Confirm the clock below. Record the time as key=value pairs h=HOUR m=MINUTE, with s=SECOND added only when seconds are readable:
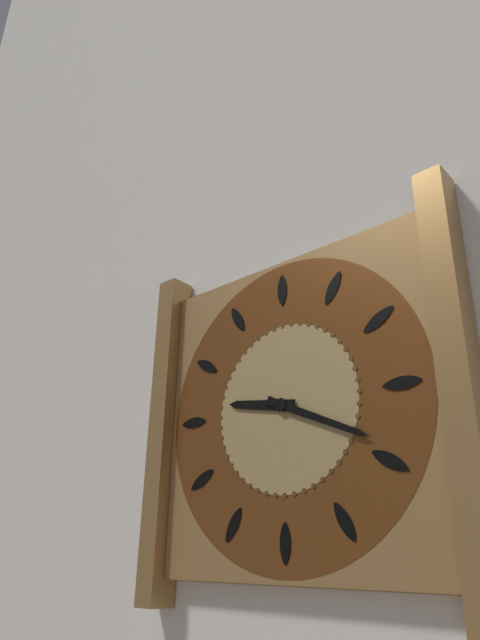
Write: h=9 m=19
